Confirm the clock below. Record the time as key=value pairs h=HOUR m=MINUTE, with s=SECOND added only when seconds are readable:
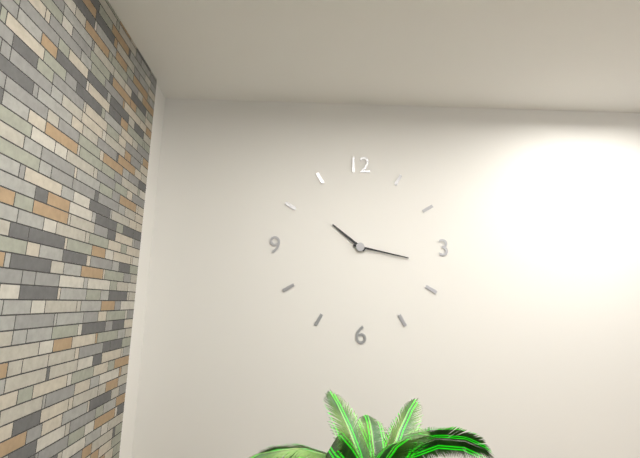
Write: h=10 m=17
